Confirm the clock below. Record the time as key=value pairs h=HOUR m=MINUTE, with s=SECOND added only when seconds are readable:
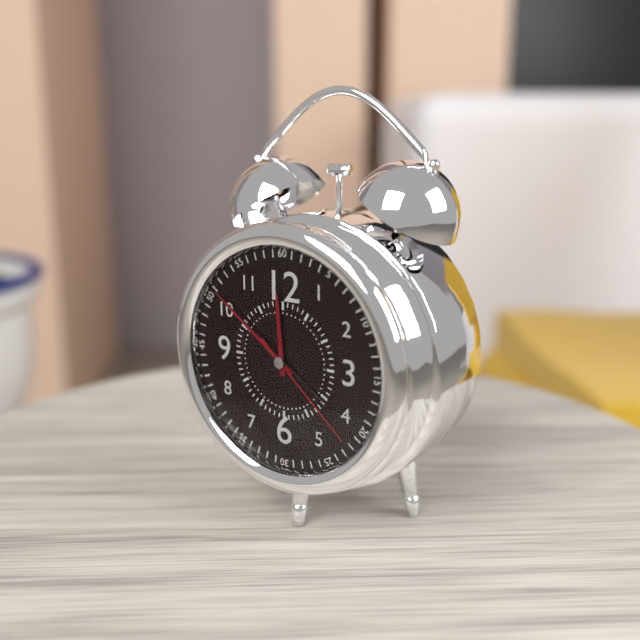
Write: h=11 m=51 s=22
